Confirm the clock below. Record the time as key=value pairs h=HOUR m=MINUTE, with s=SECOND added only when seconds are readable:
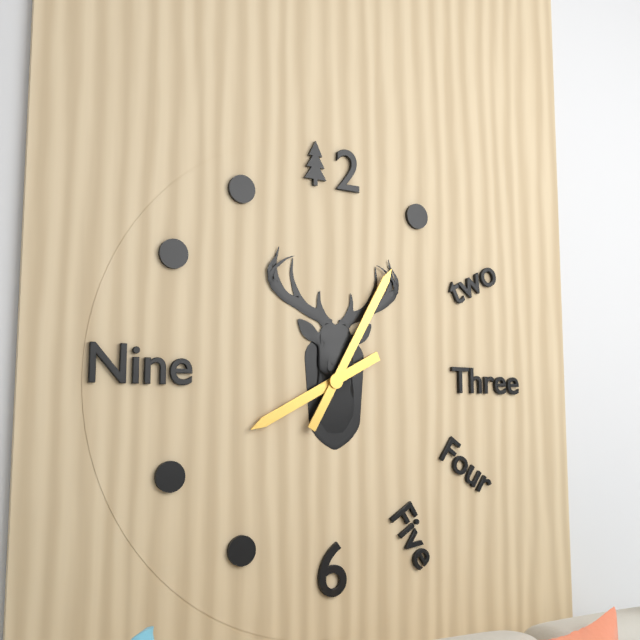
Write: h=8 m=5
